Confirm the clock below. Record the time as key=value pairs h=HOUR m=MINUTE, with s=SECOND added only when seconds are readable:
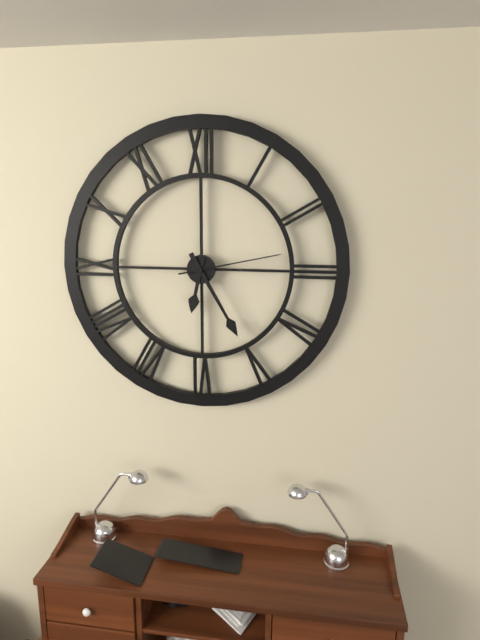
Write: h=6 m=25 s=13
